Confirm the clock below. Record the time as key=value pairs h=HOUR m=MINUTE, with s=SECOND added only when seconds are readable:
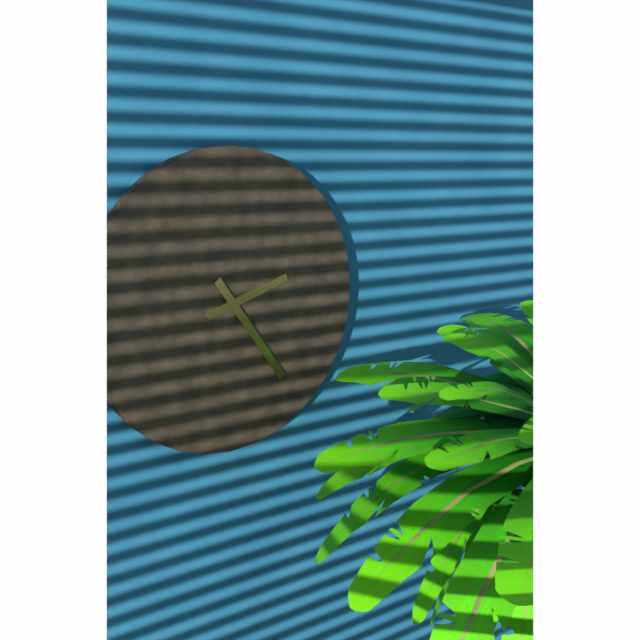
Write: h=2 m=24
